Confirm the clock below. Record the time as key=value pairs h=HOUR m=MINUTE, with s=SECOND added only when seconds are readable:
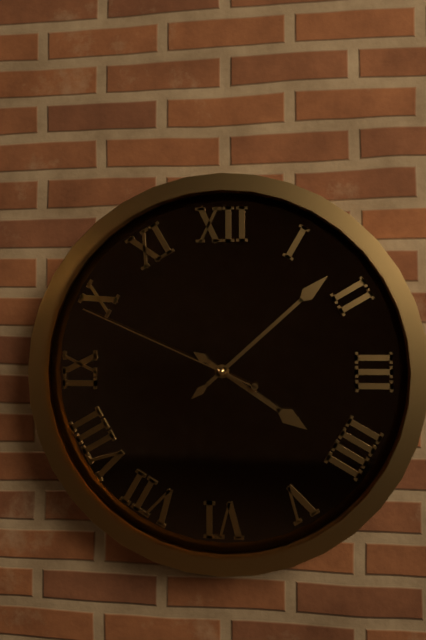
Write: h=4 m=8 s=49
